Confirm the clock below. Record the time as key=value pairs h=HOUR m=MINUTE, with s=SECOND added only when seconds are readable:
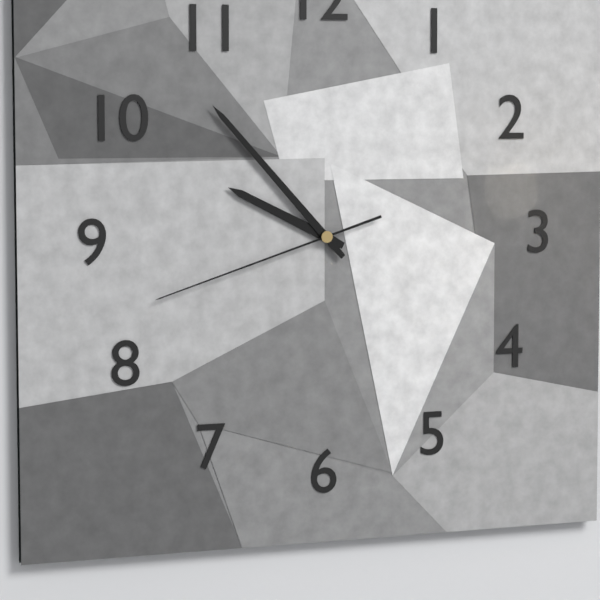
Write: h=9 m=53 s=42
